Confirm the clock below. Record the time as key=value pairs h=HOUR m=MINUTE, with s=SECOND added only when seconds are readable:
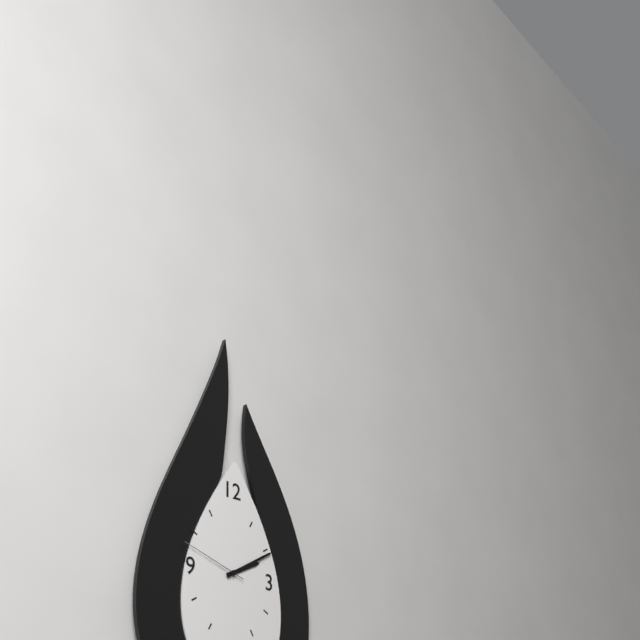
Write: h=2 m=10 s=48
